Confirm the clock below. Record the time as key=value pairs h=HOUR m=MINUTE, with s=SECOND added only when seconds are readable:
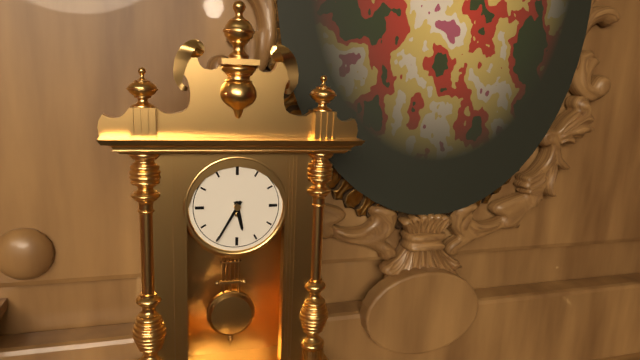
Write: h=5 m=35
